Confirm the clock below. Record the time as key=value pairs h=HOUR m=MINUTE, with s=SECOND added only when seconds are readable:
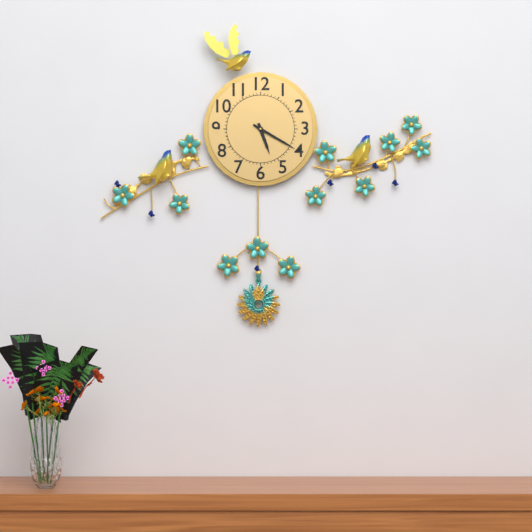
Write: h=5 m=20
